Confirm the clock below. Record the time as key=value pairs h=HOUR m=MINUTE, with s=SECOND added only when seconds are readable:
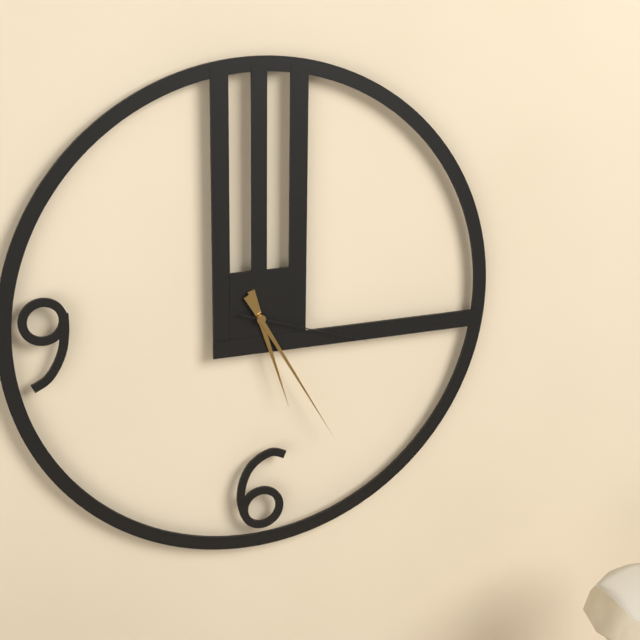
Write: h=5 m=25 s=18
